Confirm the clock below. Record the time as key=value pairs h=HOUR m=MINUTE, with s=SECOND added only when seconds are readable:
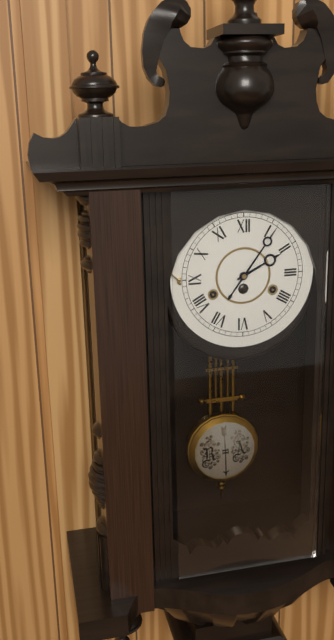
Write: h=2 m=6
